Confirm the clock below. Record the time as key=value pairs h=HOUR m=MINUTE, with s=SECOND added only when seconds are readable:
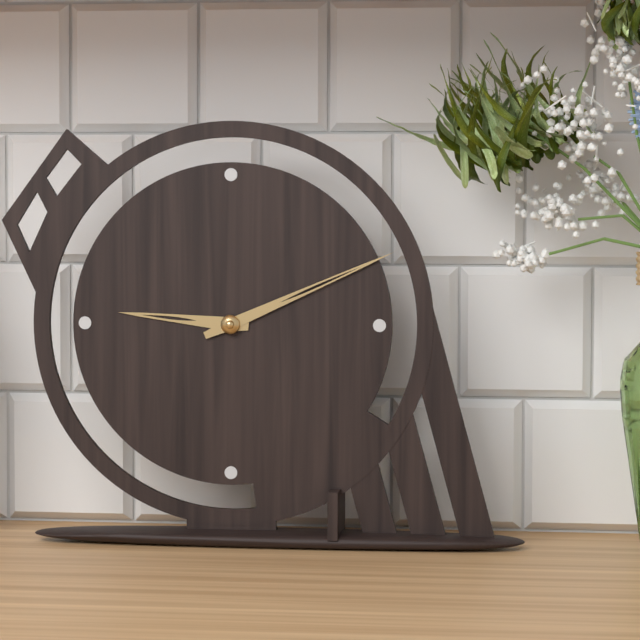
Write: h=9 m=11
